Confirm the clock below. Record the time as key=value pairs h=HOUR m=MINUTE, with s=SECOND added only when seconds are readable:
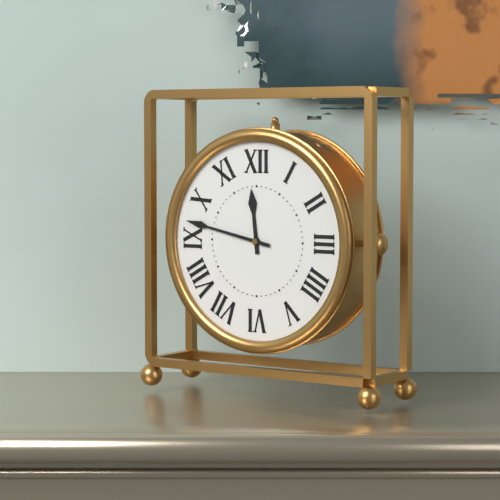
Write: h=11 m=47
